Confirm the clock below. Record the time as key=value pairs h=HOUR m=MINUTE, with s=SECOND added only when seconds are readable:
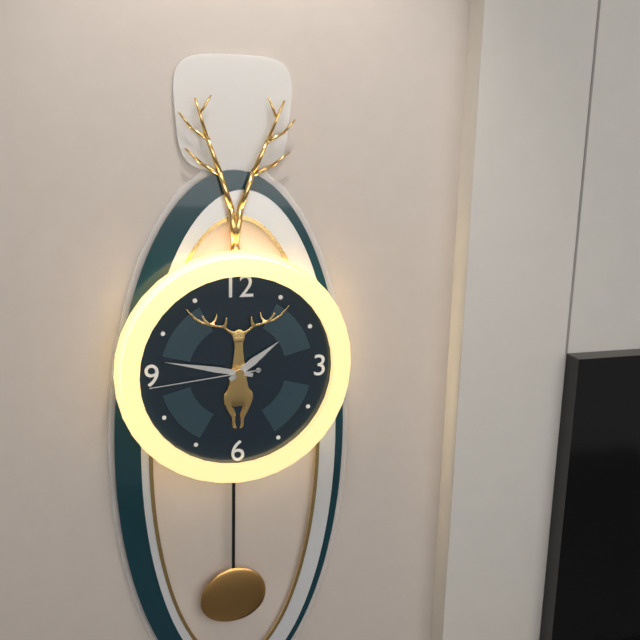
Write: h=1 m=47 s=44
